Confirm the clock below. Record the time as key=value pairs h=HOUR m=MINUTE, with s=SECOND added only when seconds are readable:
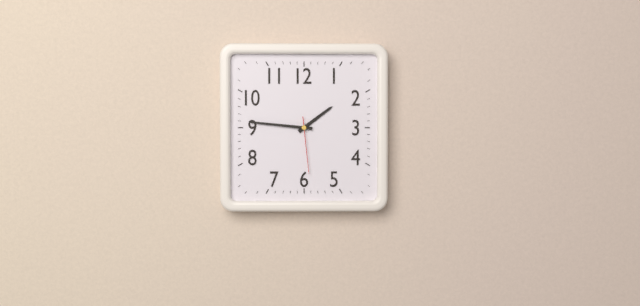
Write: h=1 m=46 s=29
